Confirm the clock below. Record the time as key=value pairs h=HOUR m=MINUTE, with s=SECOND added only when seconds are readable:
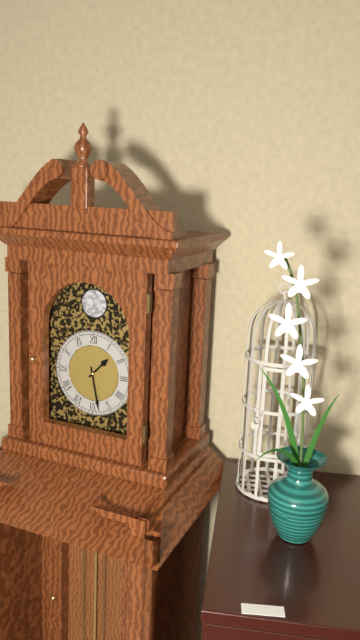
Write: h=1 m=28
